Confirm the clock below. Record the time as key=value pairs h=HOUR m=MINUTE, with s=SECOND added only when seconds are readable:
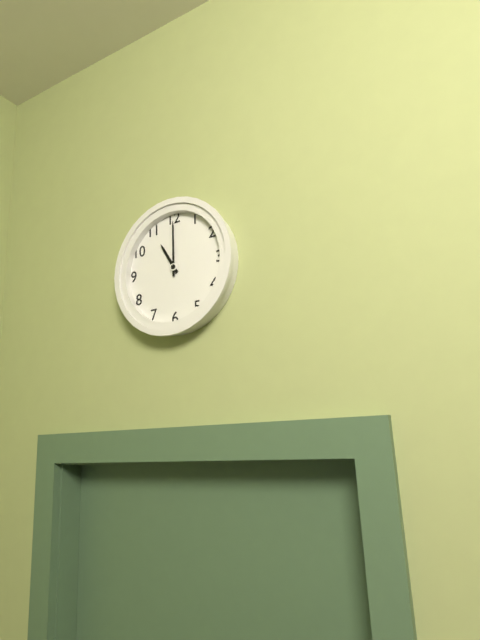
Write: h=11 m=0
